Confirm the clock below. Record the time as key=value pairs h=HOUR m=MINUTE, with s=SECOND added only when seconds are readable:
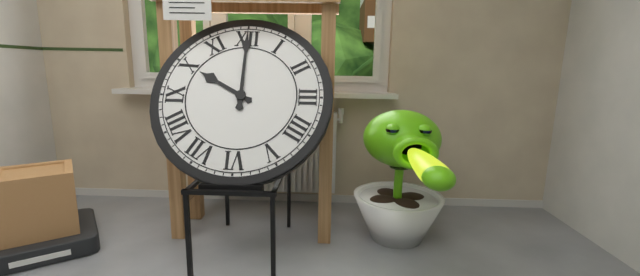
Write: h=10 m=0
